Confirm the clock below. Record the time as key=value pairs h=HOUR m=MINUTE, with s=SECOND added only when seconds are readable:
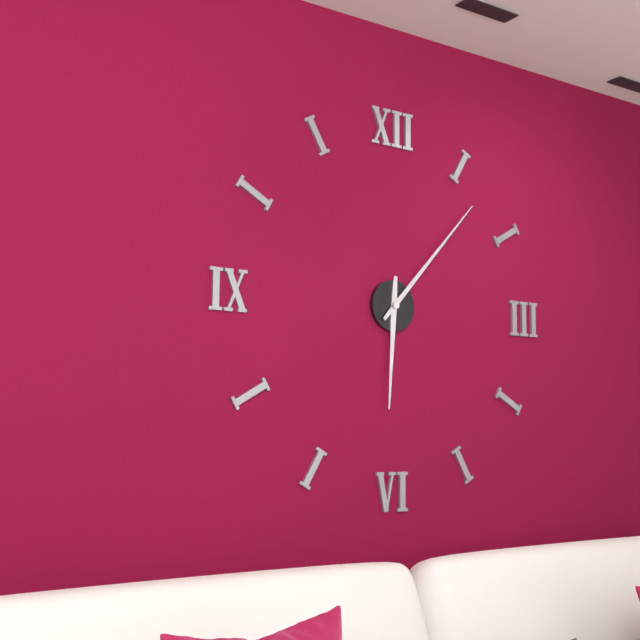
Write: h=6 m=7
